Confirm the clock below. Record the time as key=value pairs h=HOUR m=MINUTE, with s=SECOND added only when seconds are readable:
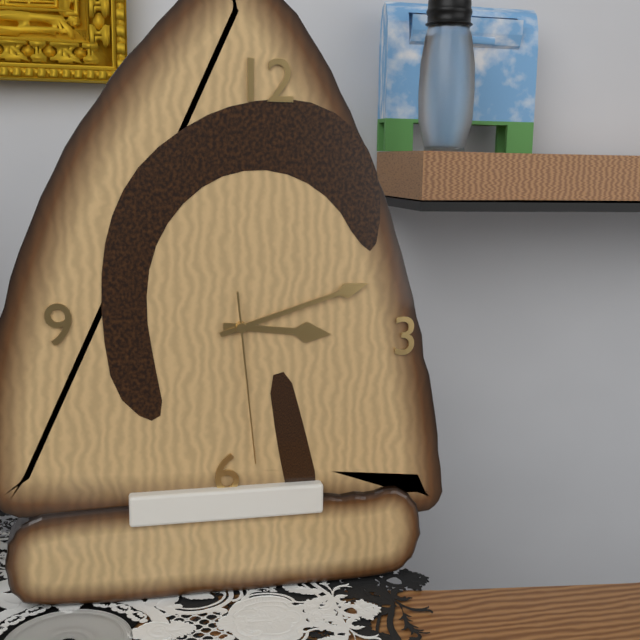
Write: h=3 m=12 s=29
